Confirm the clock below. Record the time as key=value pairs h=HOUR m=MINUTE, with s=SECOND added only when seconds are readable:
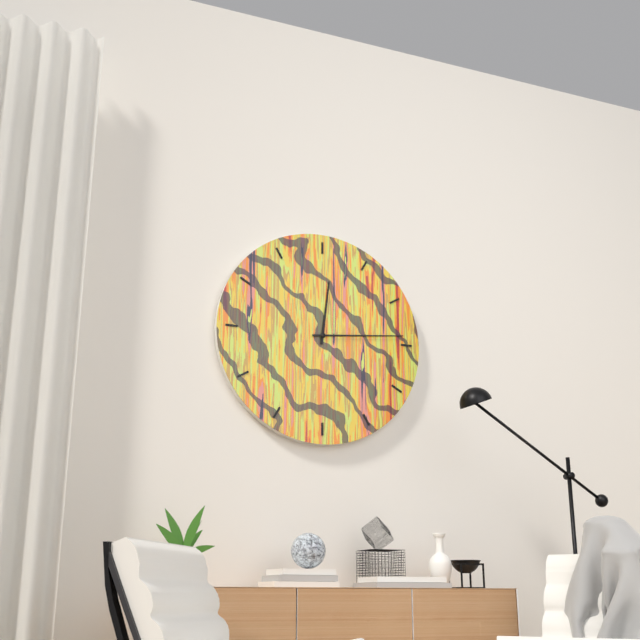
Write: h=12 m=14
